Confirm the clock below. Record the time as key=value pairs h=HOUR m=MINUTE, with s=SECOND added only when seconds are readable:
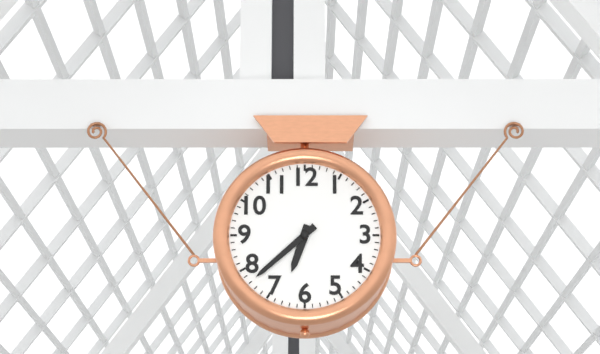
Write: h=6 m=38
